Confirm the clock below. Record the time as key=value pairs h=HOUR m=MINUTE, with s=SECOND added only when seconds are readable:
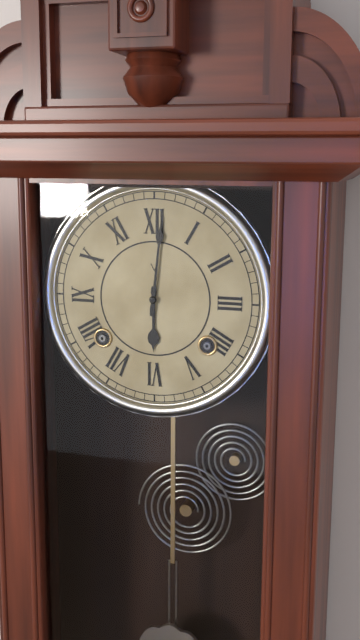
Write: h=6 m=1
